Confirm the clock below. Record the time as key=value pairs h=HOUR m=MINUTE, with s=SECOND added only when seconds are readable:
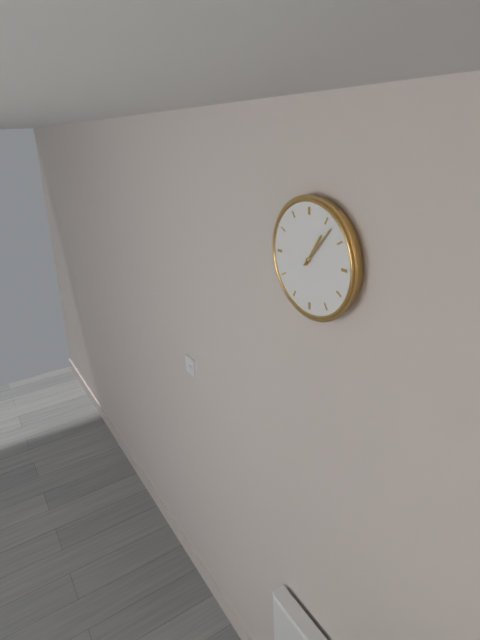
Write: h=1 m=7
